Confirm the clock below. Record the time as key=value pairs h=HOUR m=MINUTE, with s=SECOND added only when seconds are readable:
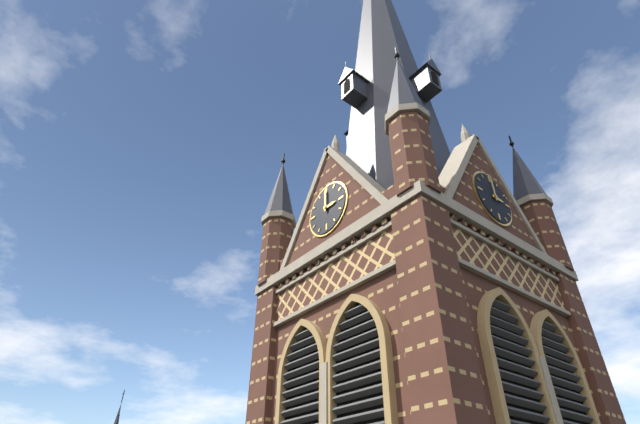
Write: h=3 m=0
